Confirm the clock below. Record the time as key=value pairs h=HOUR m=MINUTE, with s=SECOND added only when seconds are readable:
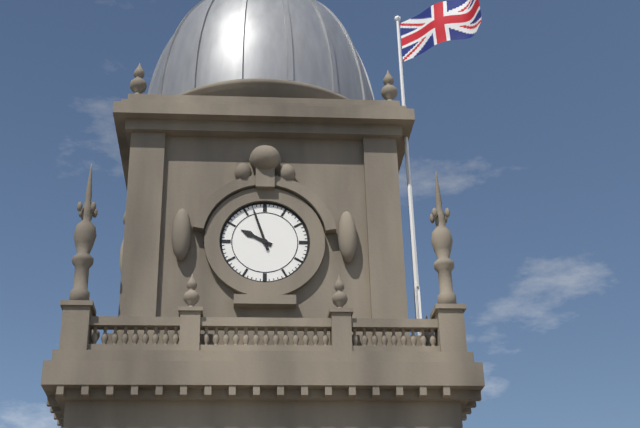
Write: h=9 m=57
